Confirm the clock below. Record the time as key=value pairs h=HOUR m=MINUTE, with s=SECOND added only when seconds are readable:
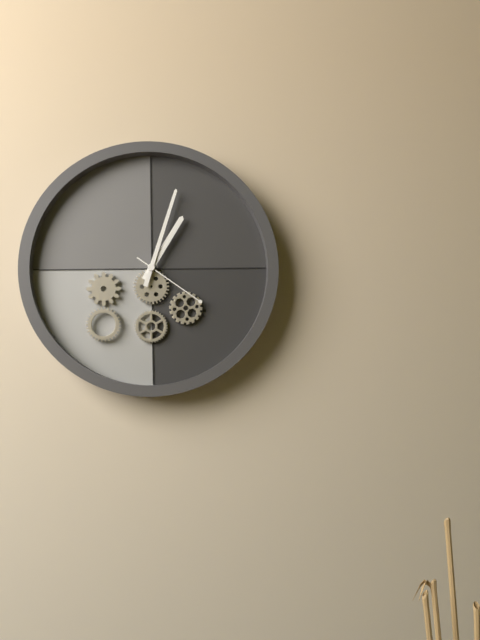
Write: h=1 m=3 s=21
